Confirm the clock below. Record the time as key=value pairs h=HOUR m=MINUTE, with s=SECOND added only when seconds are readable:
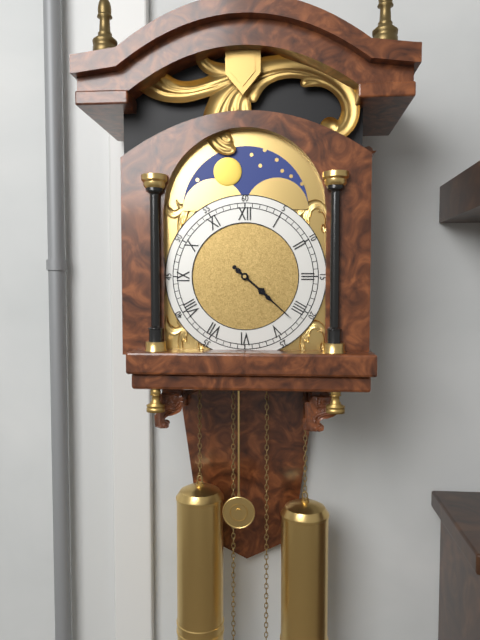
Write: h=4 m=22
